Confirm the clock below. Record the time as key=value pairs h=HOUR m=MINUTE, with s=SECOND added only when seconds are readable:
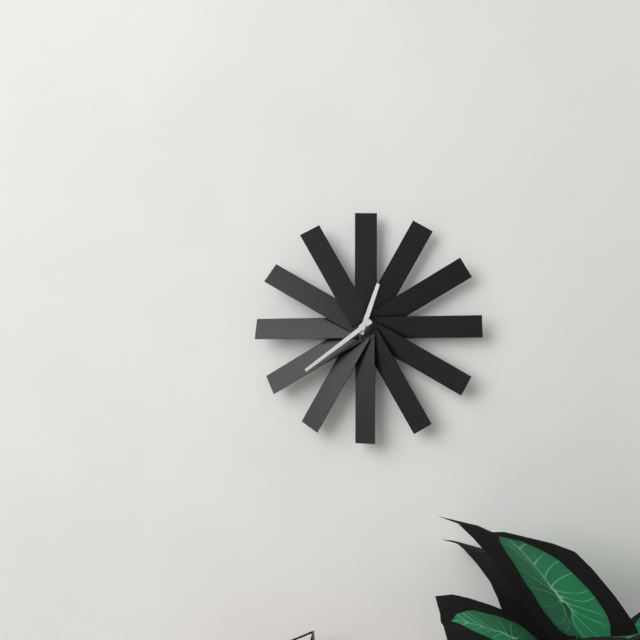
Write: h=12 m=39
